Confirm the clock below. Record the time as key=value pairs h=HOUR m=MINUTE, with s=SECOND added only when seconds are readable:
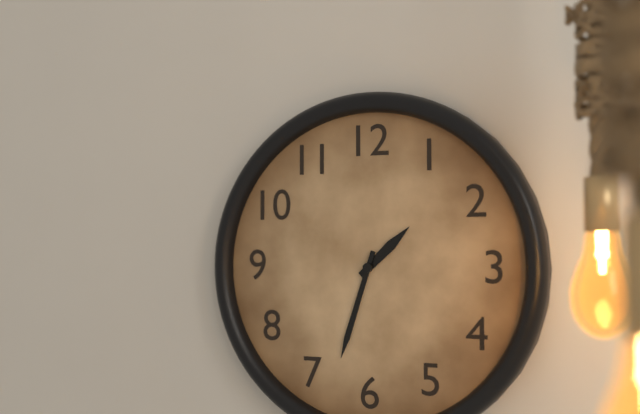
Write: h=1 m=33
